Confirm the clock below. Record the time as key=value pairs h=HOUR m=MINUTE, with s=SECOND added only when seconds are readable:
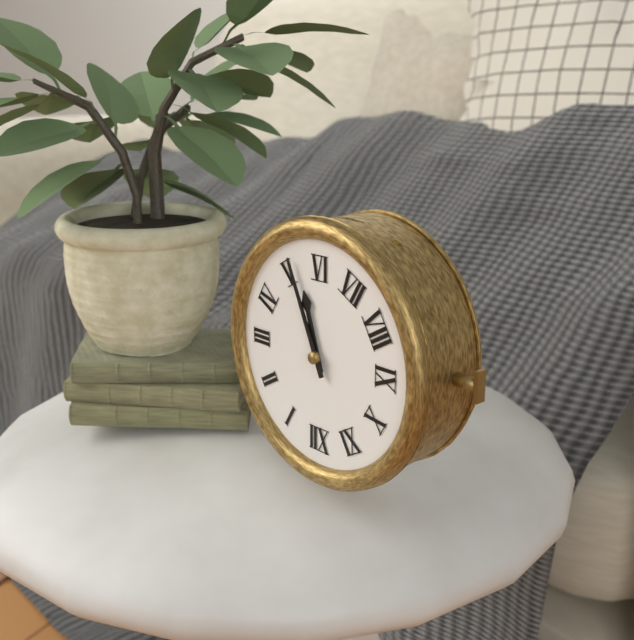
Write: h=5 m=26
